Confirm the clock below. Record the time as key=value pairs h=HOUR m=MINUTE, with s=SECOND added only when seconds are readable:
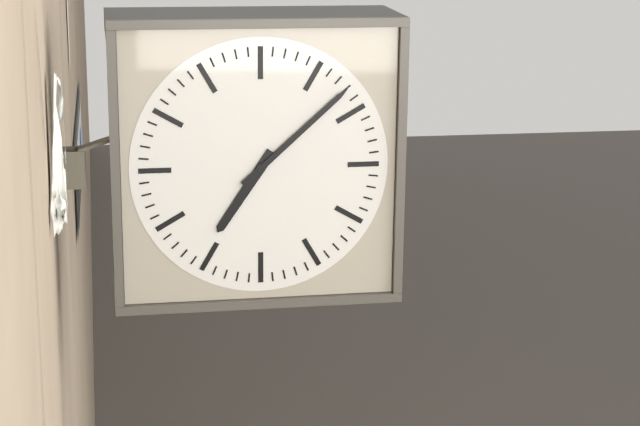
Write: h=7 m=8
